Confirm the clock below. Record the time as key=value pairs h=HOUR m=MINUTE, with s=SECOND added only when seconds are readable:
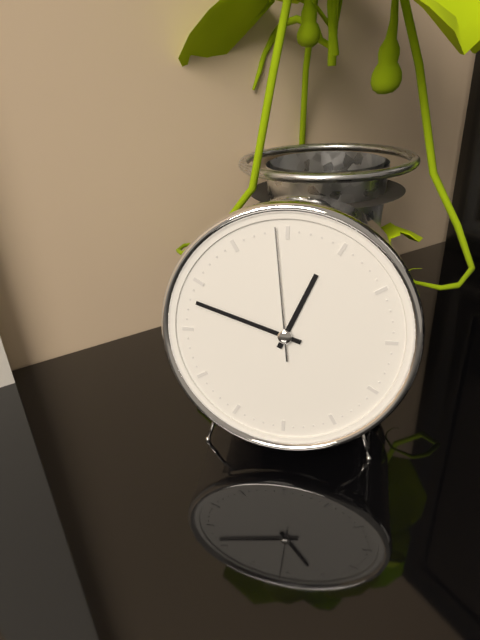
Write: h=12 m=48 s=59
